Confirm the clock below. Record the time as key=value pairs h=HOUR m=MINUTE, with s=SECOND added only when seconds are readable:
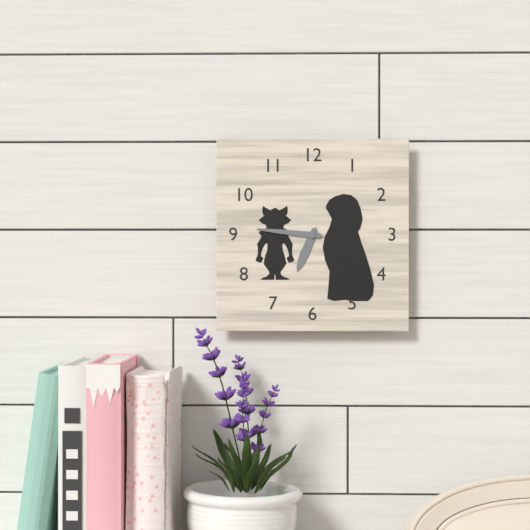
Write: h=6 m=46
